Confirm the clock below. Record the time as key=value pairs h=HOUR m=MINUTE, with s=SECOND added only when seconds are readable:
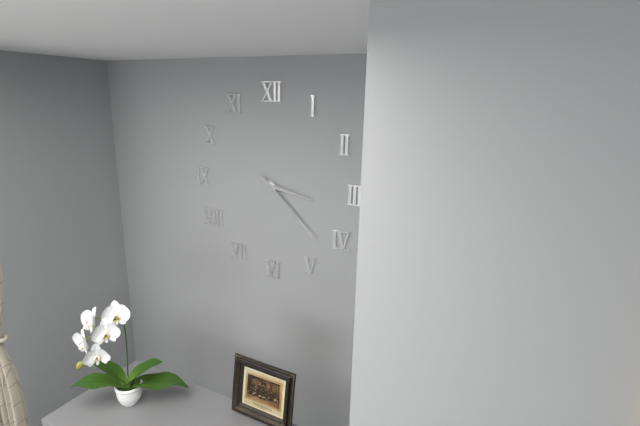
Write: h=3 m=22
